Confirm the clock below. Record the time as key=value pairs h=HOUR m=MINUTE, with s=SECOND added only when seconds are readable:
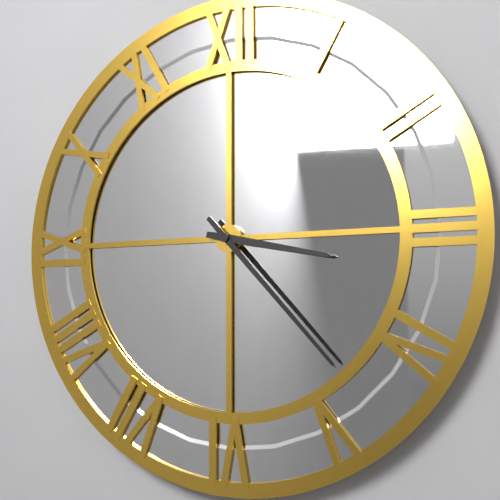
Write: h=3 m=23
